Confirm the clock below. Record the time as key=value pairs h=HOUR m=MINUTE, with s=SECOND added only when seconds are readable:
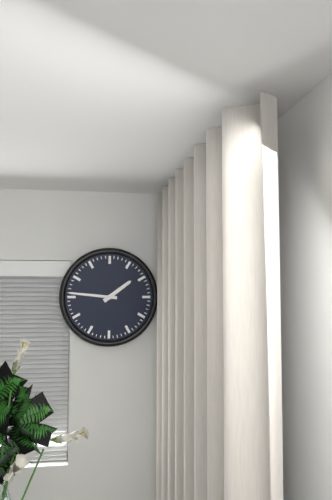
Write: h=1 m=46
